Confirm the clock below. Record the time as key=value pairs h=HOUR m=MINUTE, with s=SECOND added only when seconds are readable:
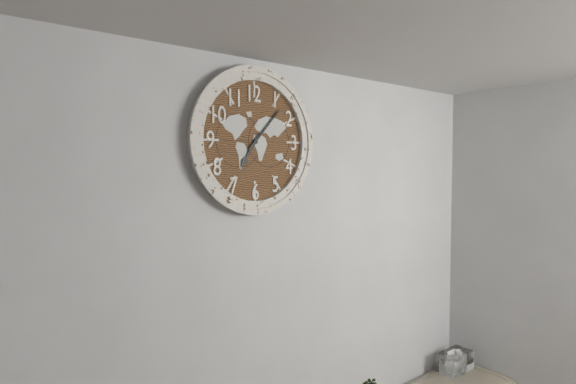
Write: h=7 m=7
